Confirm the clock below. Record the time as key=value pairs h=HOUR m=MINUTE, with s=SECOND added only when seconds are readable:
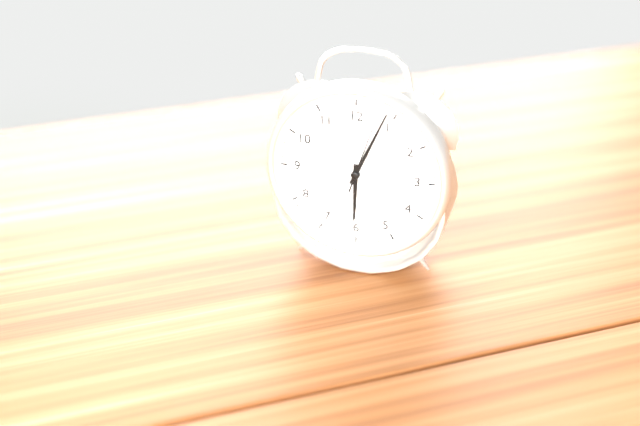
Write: h=6 m=4 s=3
